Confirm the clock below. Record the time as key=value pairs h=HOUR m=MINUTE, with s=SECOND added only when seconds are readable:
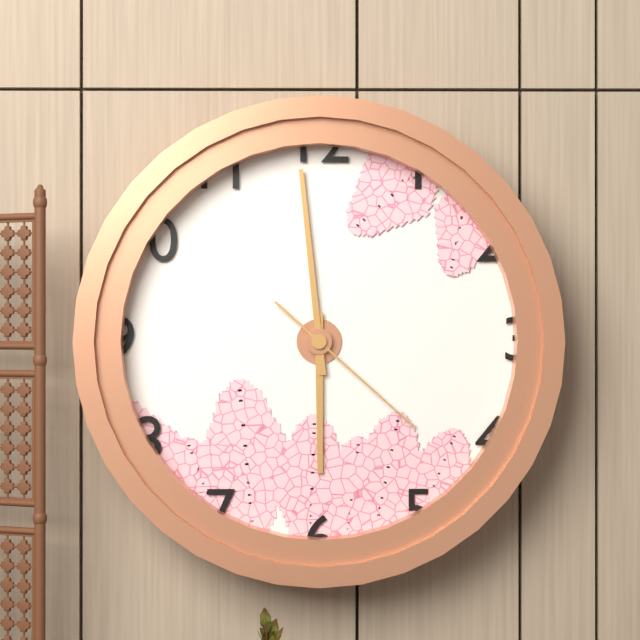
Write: h=5 m=59 s=22
